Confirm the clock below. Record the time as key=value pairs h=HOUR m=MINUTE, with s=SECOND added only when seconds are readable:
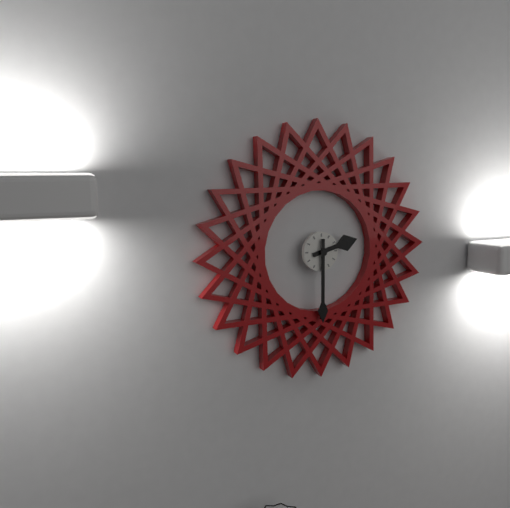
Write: h=2 m=30
